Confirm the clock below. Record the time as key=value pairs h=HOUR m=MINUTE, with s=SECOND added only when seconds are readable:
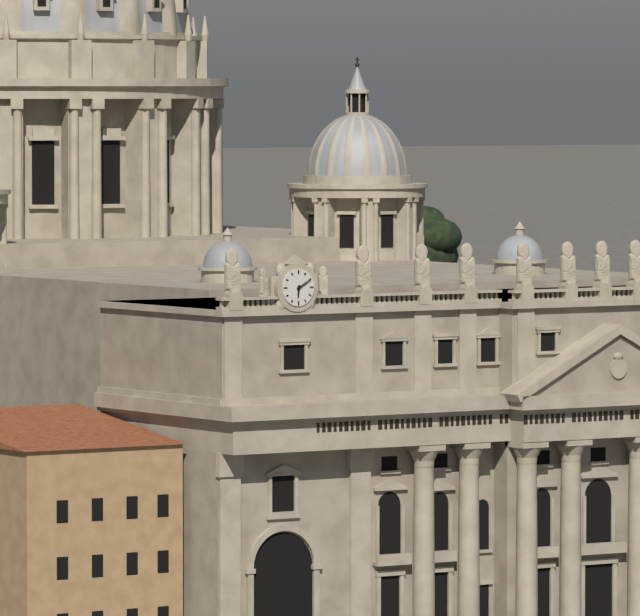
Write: h=6 m=10
